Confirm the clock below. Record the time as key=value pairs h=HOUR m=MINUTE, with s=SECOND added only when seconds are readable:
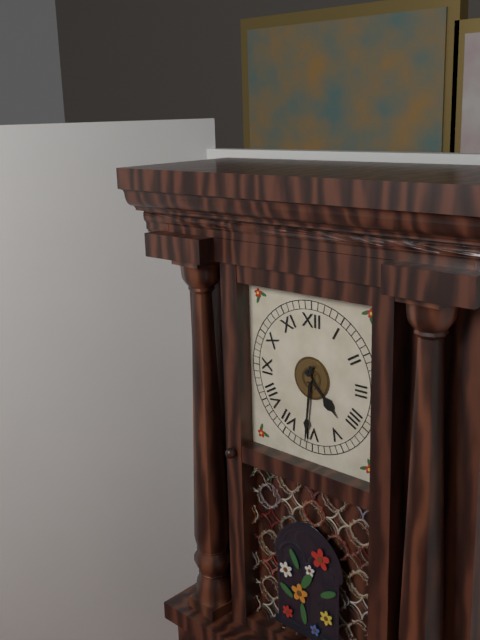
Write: h=4 m=31
